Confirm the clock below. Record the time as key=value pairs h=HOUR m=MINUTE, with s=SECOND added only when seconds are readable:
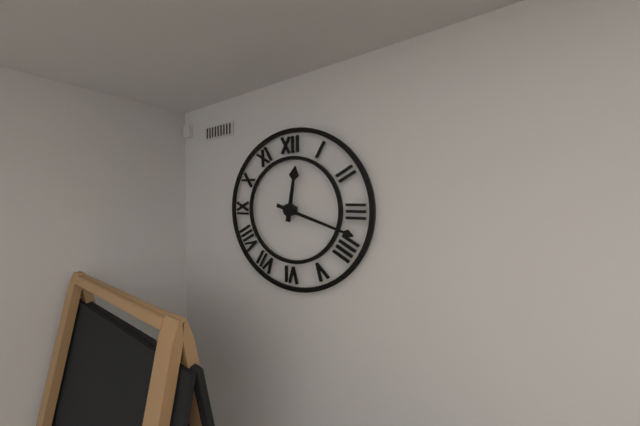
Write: h=12 m=18
